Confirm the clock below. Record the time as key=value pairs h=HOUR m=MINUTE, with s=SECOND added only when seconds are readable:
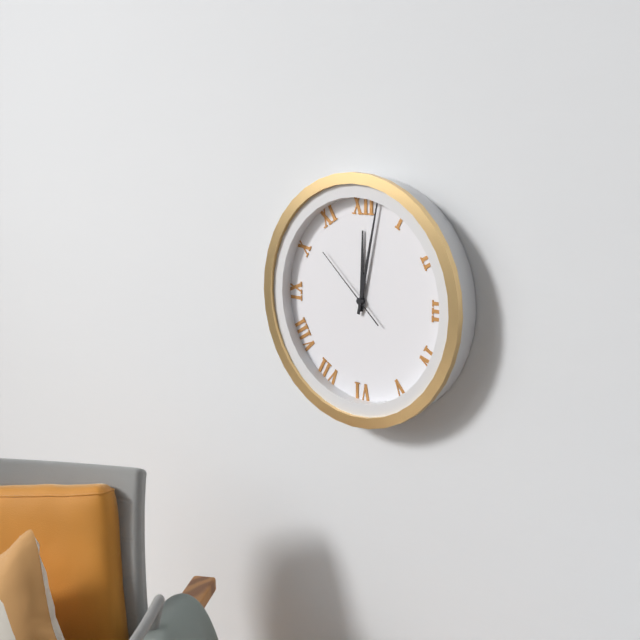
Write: h=12 m=2 s=52
